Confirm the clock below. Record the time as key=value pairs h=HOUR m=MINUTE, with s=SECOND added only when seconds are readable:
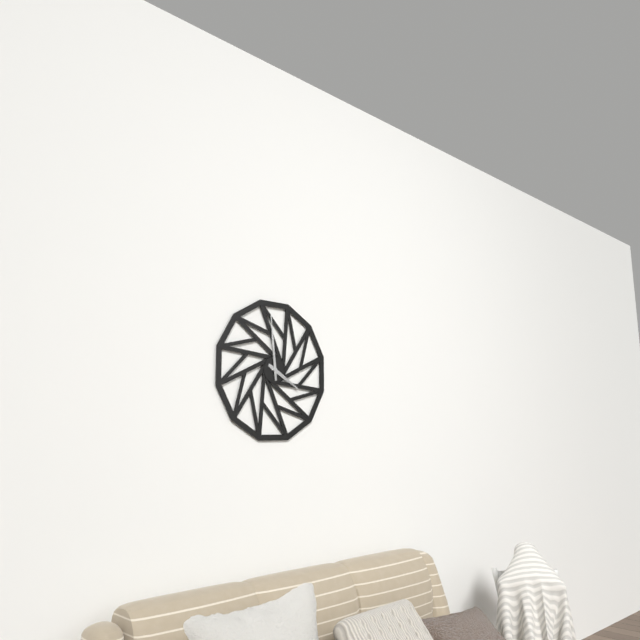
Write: h=3 m=59
